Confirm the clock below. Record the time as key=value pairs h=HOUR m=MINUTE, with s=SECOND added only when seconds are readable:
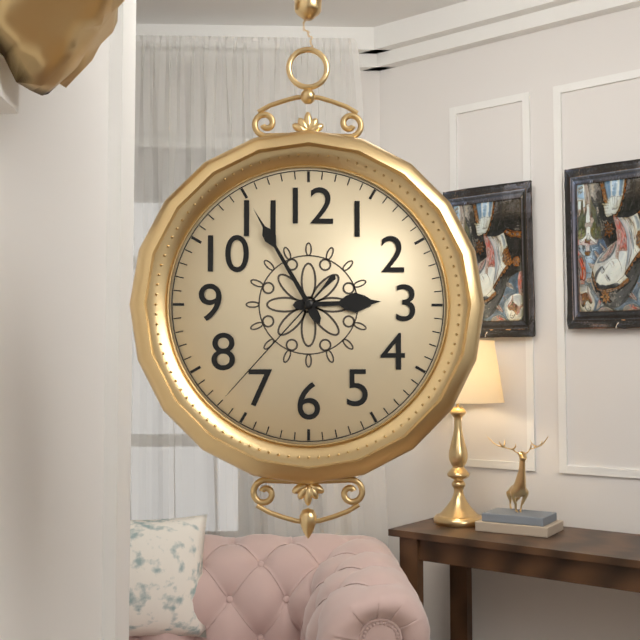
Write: h=2 m=55 s=37
